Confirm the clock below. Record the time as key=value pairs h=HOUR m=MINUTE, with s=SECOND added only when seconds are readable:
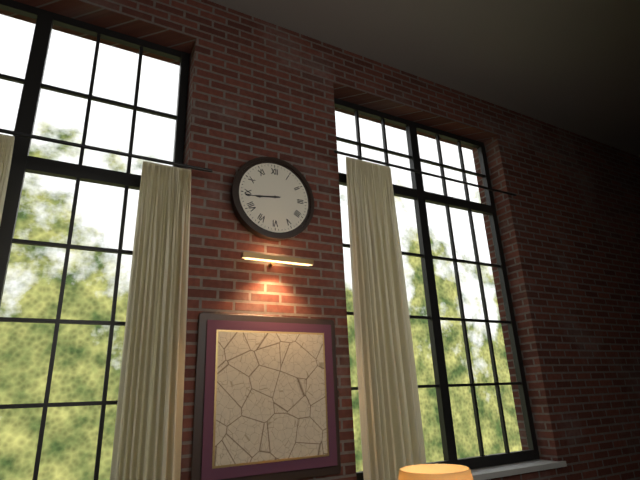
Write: h=8 m=44
